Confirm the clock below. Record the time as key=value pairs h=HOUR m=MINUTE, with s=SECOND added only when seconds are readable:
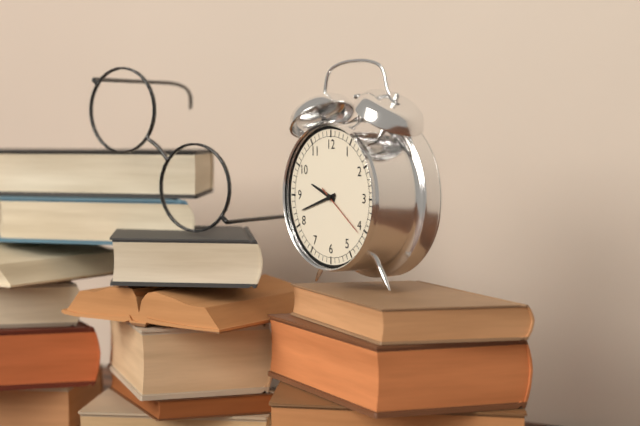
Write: h=9 m=42 s=21
